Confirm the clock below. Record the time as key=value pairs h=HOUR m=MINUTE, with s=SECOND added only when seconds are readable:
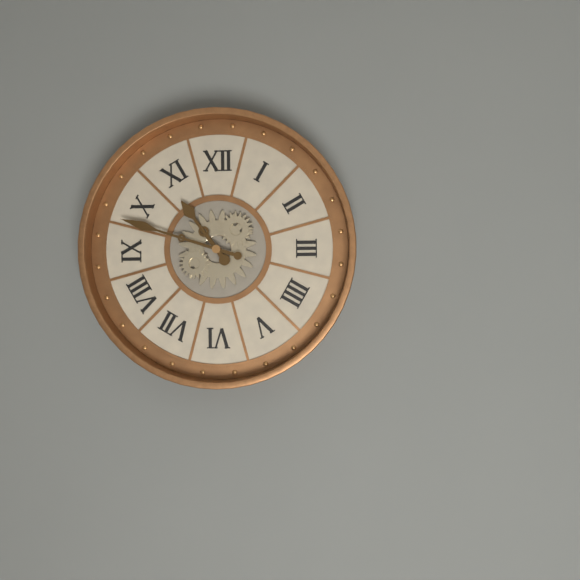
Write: h=10 m=48
